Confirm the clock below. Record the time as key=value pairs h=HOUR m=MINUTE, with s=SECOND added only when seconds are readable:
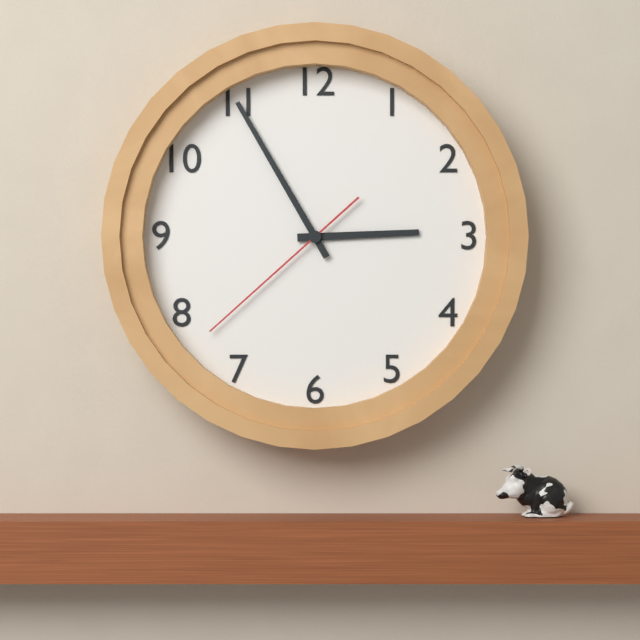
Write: h=2 m=55 s=38
